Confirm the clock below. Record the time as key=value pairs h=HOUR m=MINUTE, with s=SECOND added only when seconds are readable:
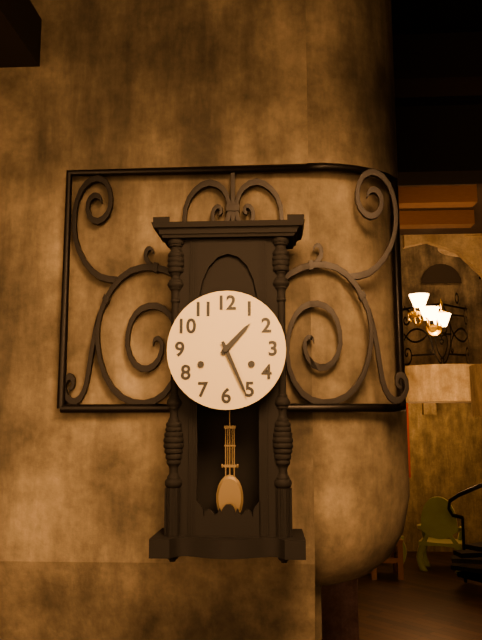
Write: h=1 m=26
